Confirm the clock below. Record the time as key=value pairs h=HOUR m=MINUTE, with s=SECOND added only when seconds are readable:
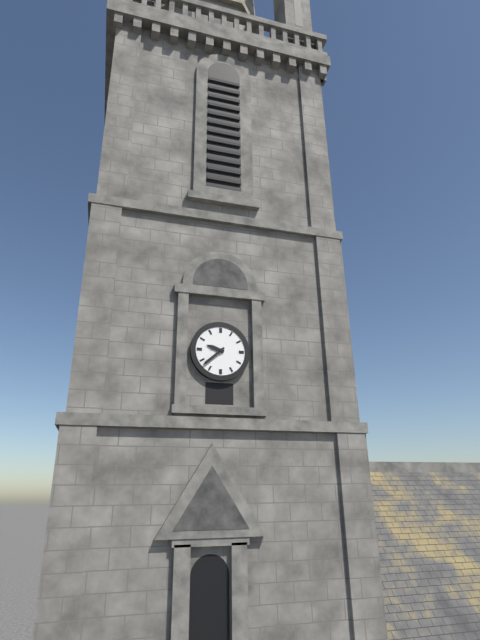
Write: h=9 m=38
